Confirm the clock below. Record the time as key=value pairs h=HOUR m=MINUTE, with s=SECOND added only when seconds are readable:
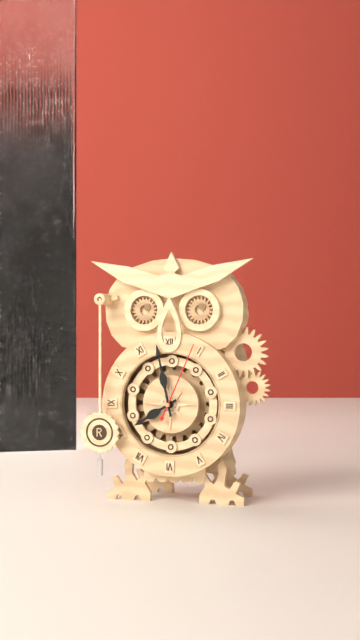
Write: h=7 m=58 s=4
